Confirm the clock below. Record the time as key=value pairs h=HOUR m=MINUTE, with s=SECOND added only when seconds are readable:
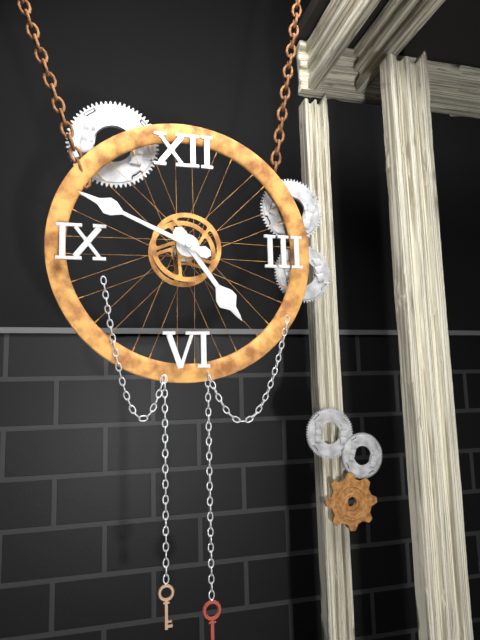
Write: h=4 m=49
